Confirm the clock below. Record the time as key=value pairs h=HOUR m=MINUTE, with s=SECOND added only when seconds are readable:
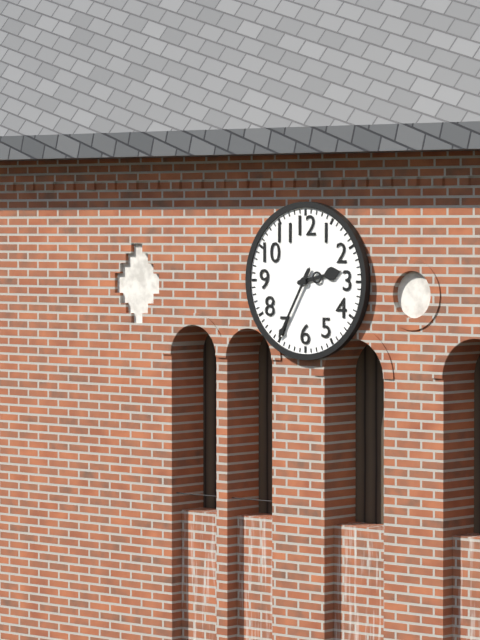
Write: h=2 m=35
